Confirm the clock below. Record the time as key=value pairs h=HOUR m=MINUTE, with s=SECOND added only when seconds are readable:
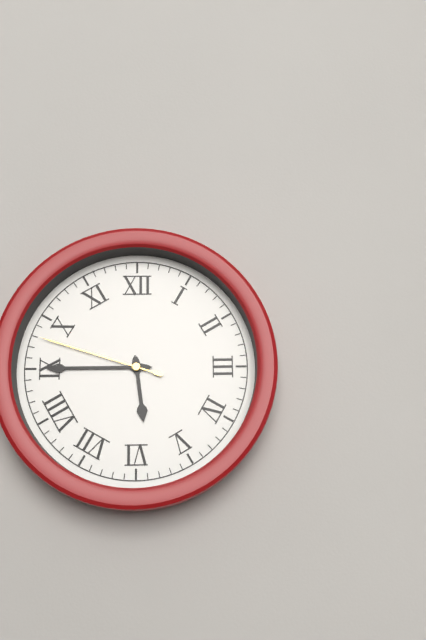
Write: h=5 m=45 s=48
